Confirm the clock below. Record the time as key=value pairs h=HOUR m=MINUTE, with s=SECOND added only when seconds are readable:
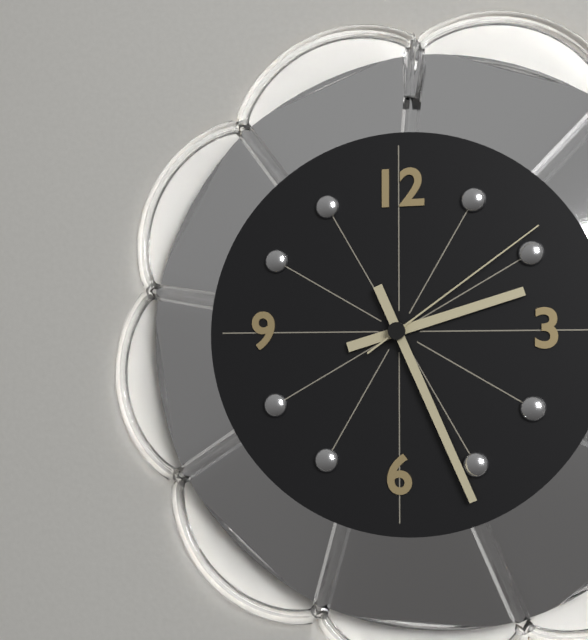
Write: h=2 m=26 s=9
